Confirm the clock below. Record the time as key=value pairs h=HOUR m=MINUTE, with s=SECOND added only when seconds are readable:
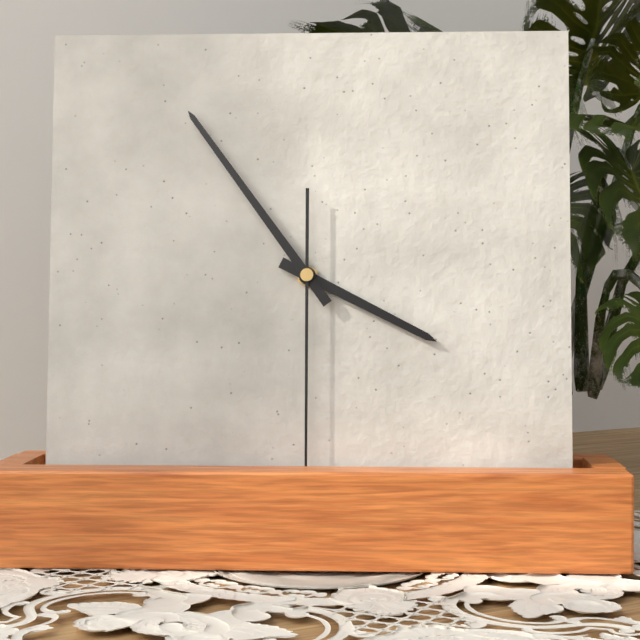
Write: h=3 m=54 s=30
